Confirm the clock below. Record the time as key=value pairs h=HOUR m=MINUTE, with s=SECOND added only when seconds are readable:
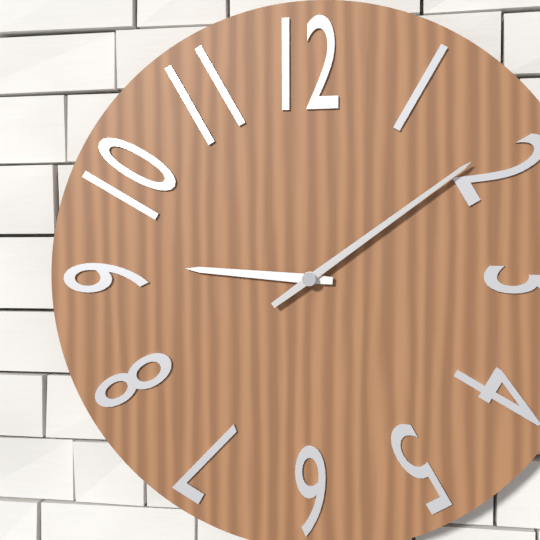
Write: h=9 m=9
